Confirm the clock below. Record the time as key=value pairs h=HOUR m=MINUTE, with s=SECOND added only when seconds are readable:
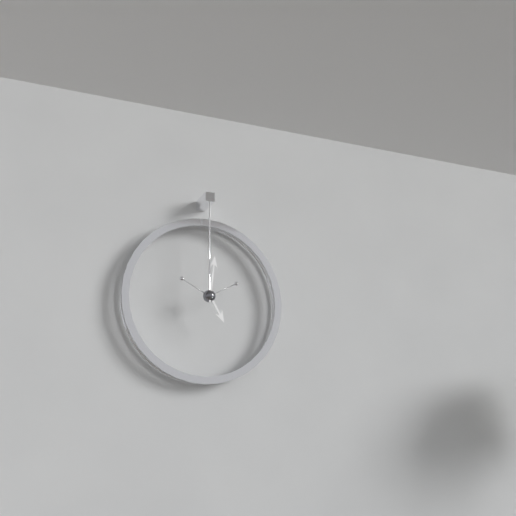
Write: h=5 m=1
